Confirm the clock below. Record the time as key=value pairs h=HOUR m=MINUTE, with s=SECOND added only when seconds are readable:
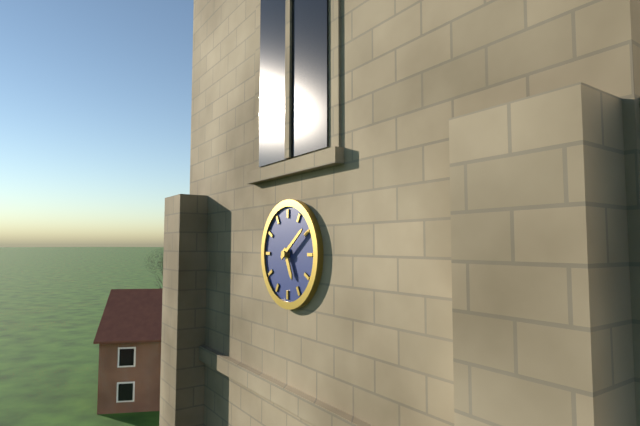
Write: h=5 m=9
